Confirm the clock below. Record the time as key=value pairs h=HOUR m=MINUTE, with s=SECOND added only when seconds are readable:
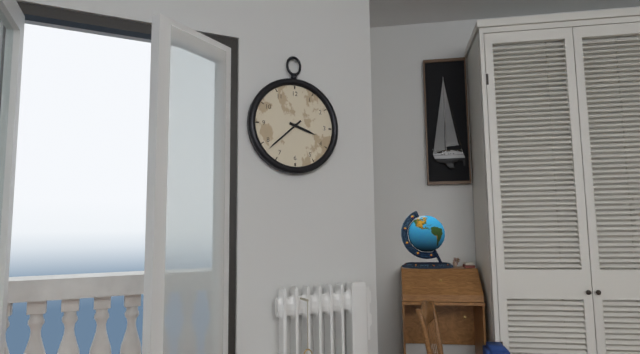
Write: h=3 m=38
